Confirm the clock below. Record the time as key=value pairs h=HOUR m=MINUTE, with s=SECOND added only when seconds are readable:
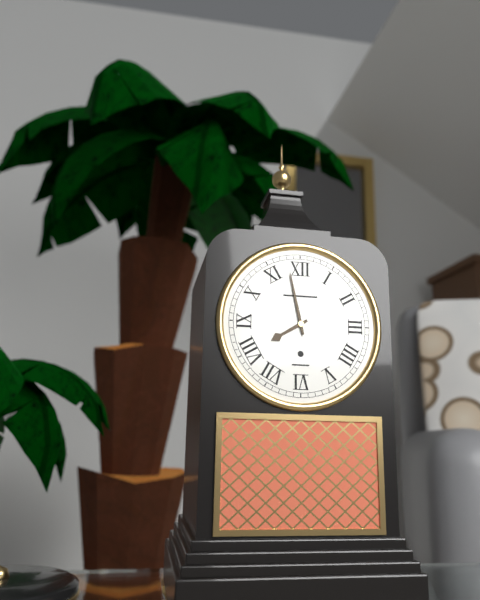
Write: h=7 m=58
